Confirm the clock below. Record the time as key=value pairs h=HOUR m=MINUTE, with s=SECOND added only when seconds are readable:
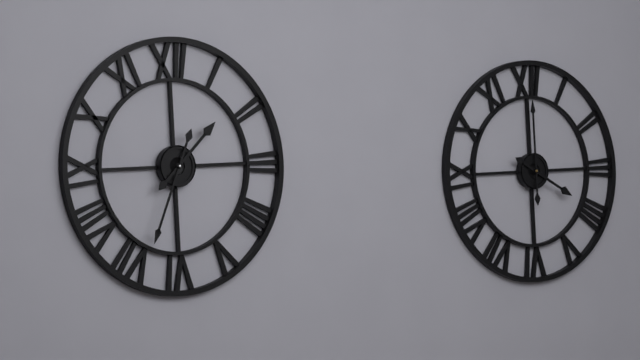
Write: h=1 m=34
